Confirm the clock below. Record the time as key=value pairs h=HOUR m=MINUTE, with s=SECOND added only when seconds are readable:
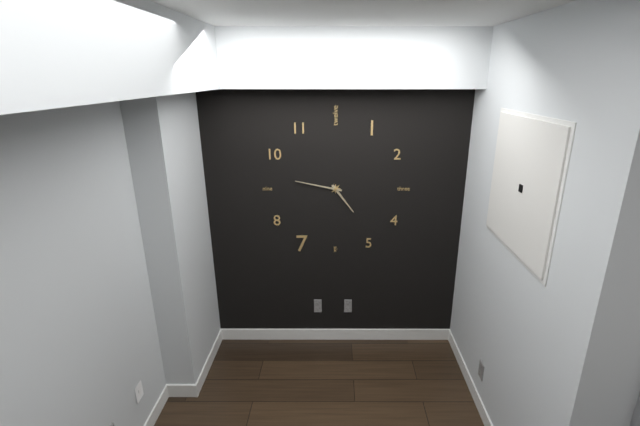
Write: h=4 m=47
